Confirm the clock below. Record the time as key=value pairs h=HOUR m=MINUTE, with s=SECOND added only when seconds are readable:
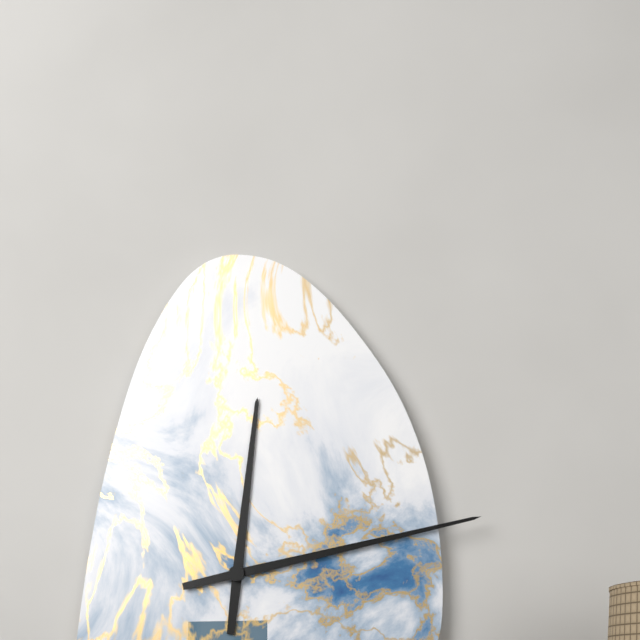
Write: h=12 m=13
